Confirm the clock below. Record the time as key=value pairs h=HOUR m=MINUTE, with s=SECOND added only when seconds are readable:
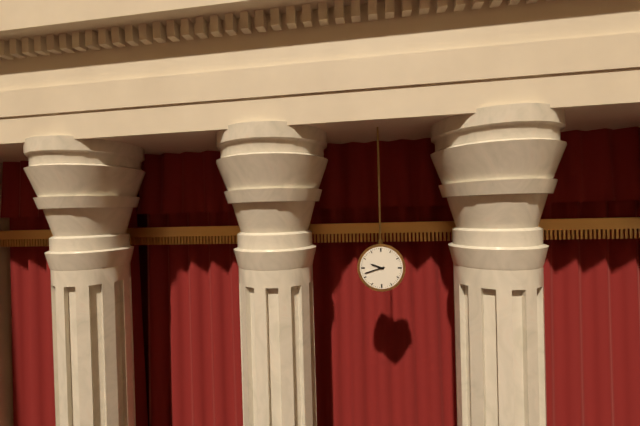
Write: h=9 m=42
